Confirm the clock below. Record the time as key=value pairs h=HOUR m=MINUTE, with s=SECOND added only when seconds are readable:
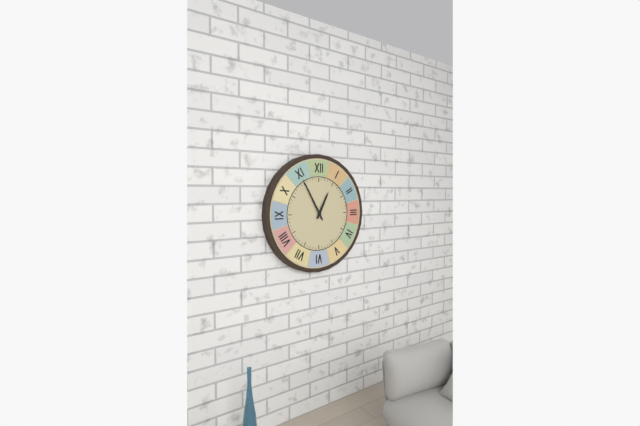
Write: h=12 m=55
